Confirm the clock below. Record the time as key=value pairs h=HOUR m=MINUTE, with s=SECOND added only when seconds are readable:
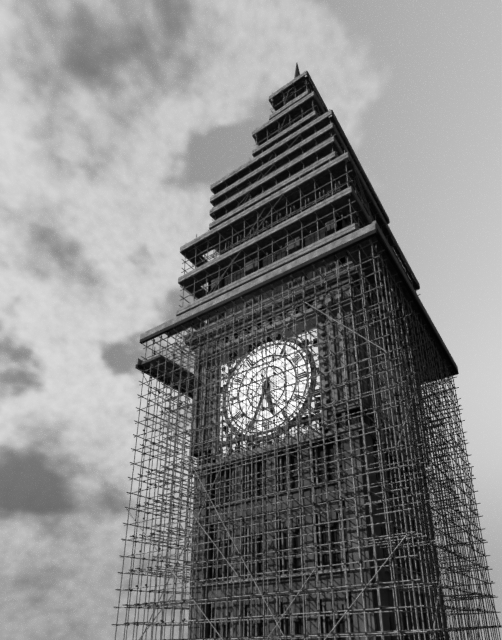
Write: h=5 m=34
